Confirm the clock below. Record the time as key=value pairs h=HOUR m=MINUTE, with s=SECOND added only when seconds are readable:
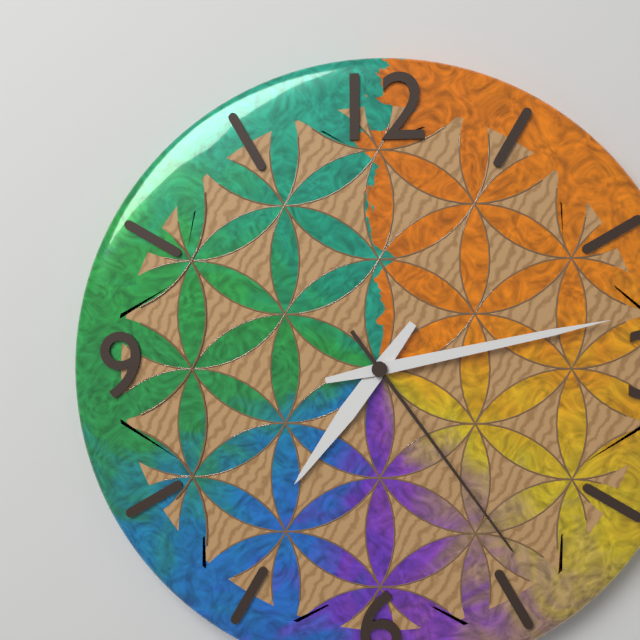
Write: h=7 m=13 s=24
